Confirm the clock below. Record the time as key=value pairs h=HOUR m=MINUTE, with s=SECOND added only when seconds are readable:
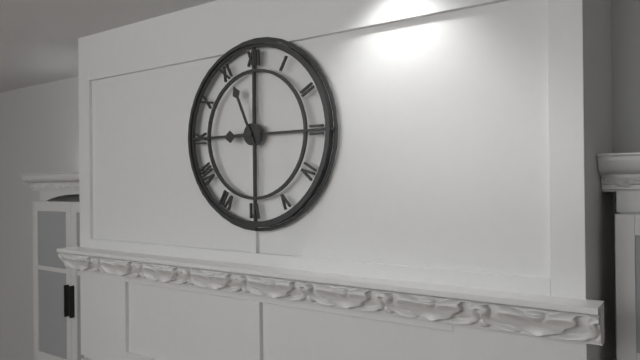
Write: h=8 m=56
